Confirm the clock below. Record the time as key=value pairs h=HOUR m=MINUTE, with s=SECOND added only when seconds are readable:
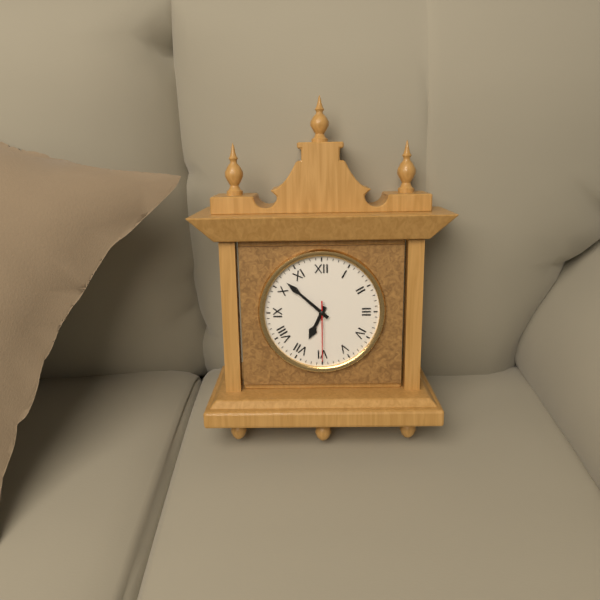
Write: h=6 m=52 s=30
